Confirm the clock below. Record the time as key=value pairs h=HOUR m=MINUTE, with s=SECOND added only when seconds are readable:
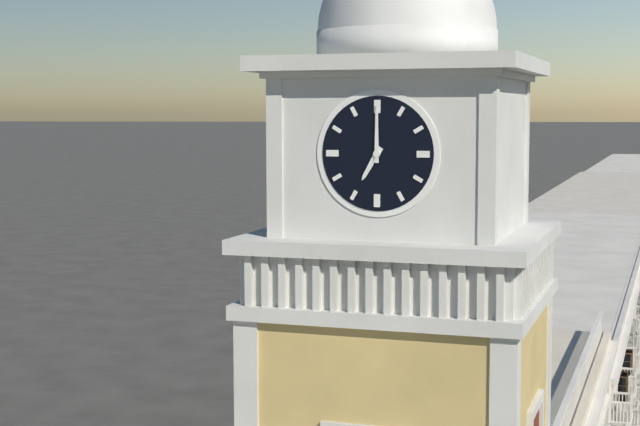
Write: h=7 m=0
